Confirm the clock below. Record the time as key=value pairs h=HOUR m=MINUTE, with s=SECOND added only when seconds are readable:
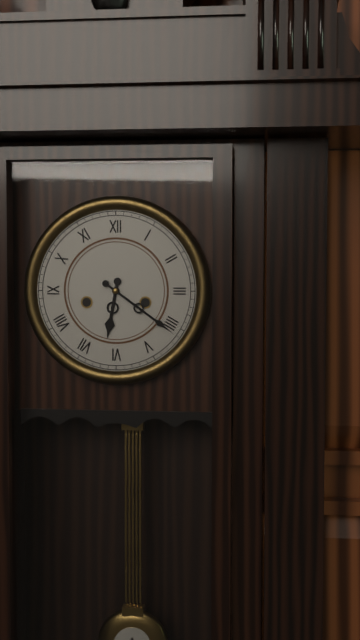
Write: h=6 m=21
